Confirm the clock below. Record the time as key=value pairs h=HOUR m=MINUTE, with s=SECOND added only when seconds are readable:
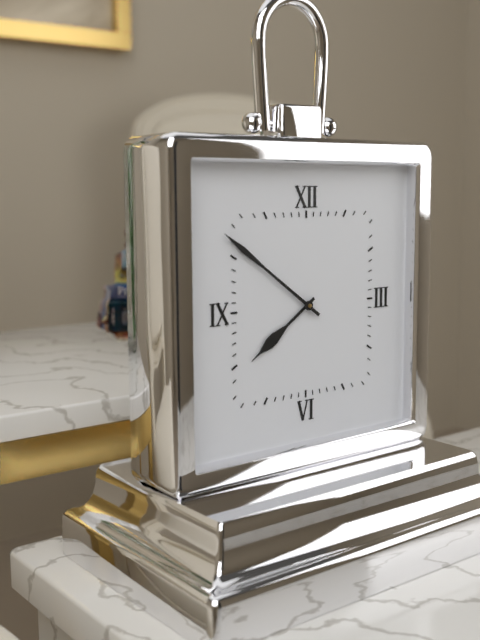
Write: h=7 m=51
